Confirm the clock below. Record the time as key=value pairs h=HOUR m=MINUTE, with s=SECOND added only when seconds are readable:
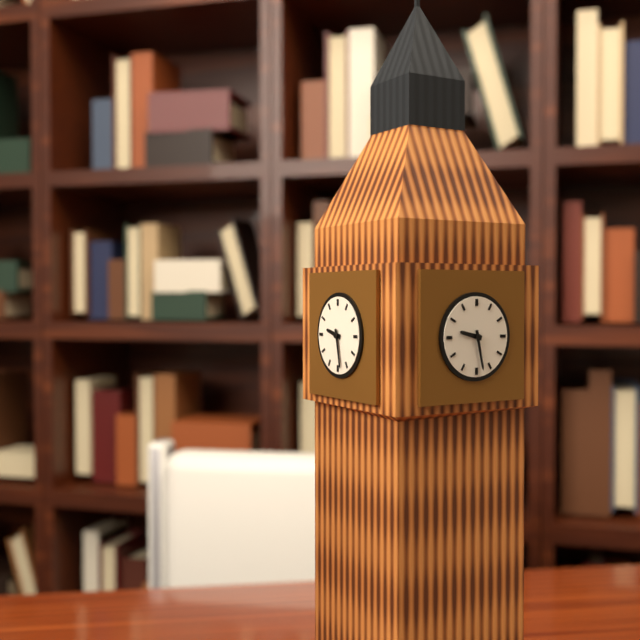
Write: h=9 m=28
